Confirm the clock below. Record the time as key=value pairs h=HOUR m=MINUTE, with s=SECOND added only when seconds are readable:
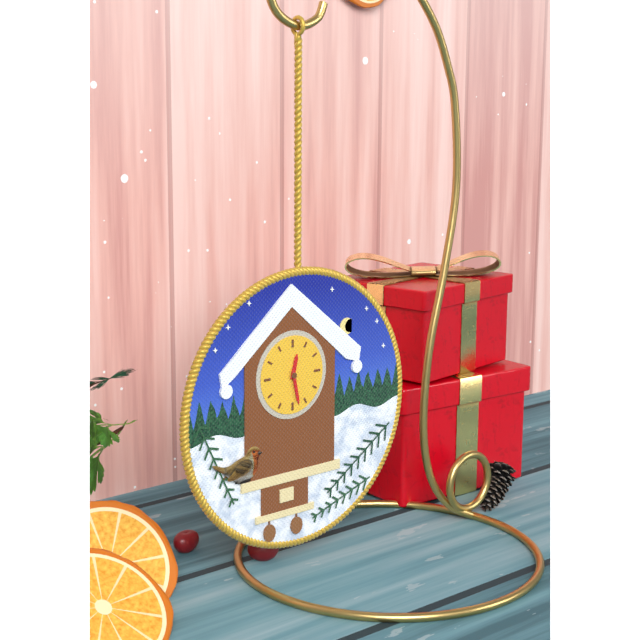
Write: h=12 m=28
